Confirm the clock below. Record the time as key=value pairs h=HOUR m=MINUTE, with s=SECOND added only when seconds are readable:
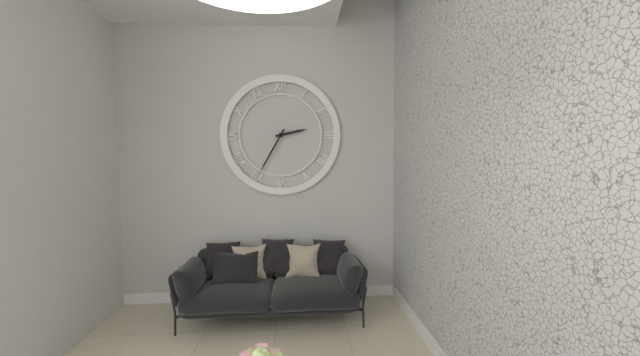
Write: h=2 m=35
